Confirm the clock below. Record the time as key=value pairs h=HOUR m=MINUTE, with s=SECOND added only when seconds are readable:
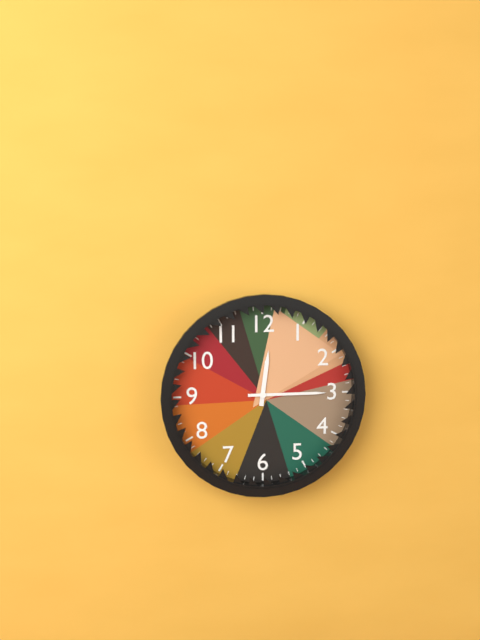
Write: h=12 m=15
